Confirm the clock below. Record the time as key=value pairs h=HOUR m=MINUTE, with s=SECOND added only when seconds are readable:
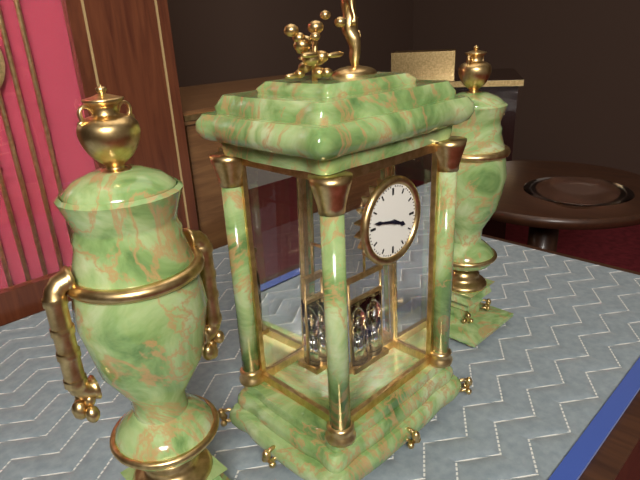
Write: h=3 m=47
